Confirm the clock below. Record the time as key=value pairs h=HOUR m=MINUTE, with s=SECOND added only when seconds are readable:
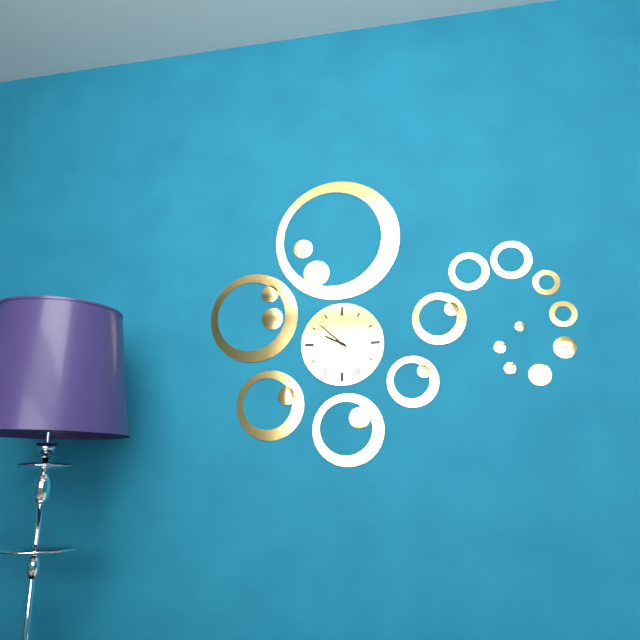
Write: h=9 m=52
